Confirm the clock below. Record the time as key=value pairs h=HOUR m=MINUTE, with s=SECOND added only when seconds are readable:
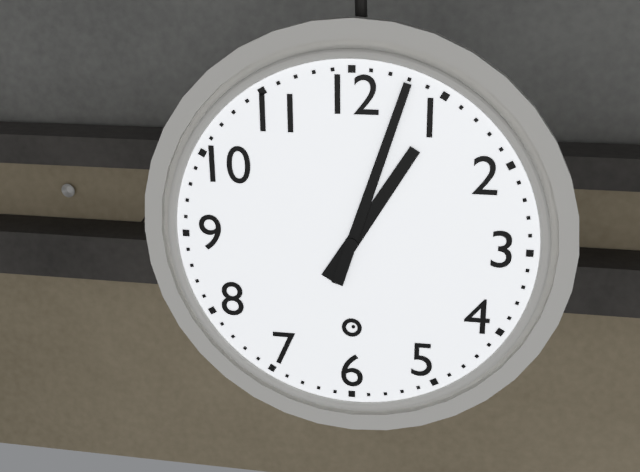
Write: h=1 m=3
